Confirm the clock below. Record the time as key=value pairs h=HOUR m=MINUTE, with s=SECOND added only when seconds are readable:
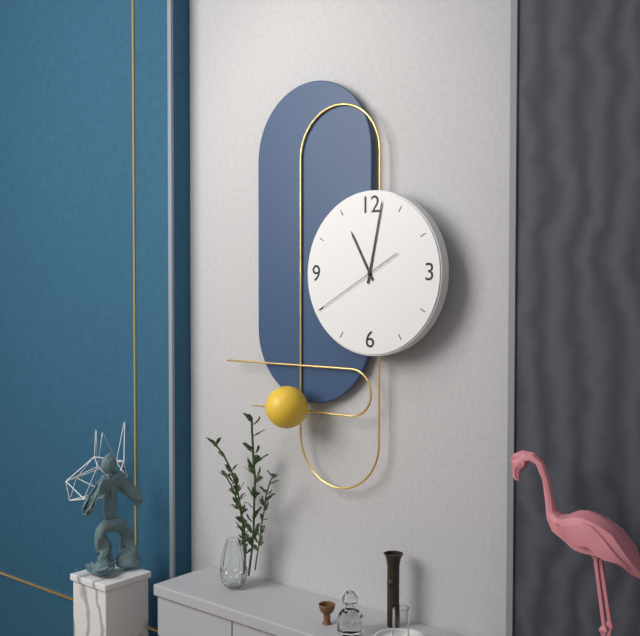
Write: h=11 m=2 s=40
